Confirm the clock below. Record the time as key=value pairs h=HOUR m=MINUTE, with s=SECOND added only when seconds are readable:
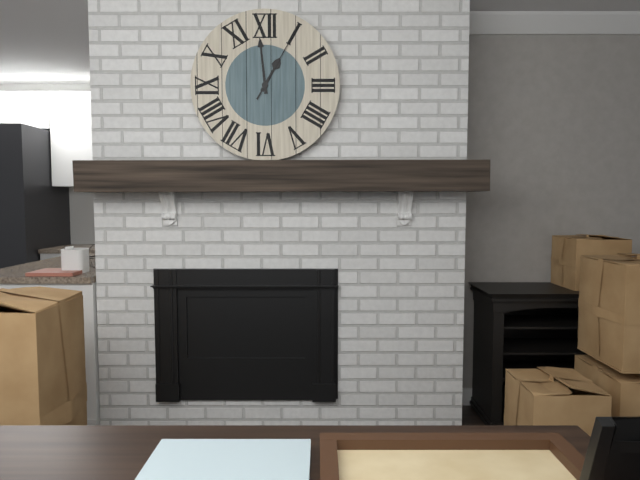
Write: h=12 m=59 s=5
